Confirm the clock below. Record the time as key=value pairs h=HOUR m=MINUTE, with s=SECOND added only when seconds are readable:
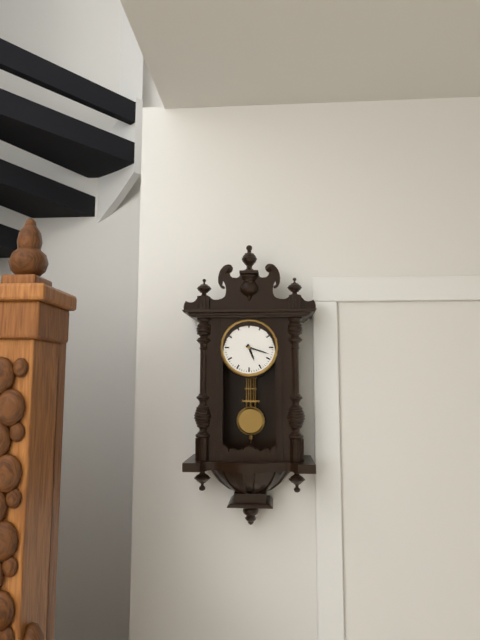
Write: h=5 m=18
